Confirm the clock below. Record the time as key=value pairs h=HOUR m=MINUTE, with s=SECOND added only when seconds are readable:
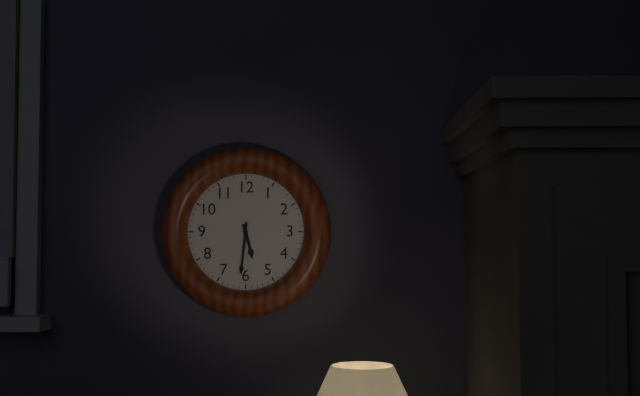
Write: h=5 m=31
